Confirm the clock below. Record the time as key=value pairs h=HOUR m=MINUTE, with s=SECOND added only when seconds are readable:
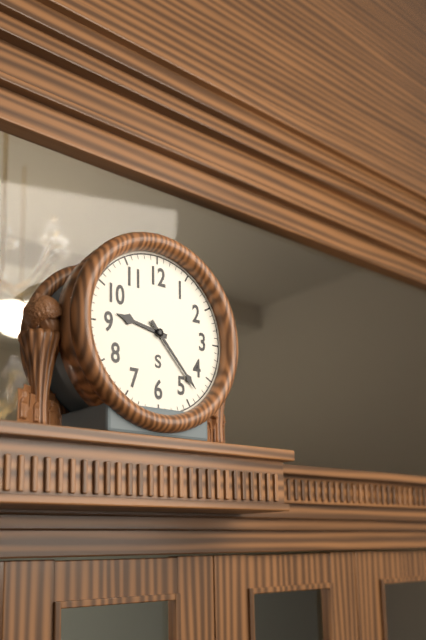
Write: h=9 m=23
